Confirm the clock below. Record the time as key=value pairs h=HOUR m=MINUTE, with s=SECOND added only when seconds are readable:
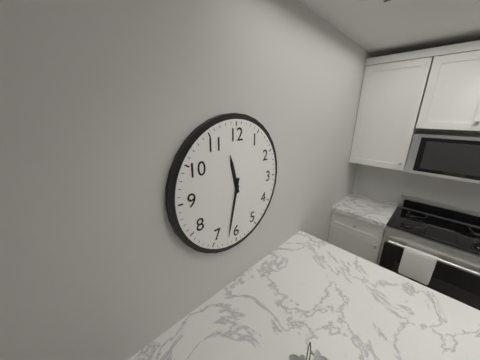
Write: h=11 m=32
